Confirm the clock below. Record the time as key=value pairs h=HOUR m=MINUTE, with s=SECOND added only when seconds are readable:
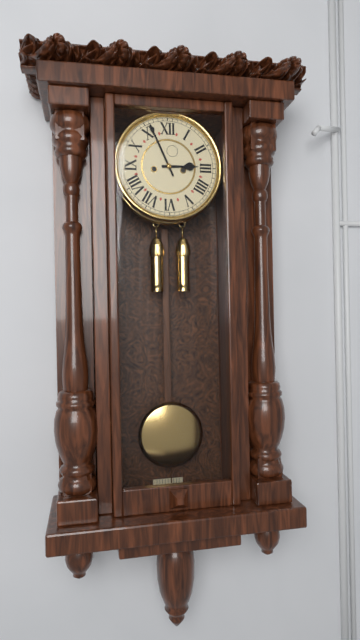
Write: h=2 m=56
